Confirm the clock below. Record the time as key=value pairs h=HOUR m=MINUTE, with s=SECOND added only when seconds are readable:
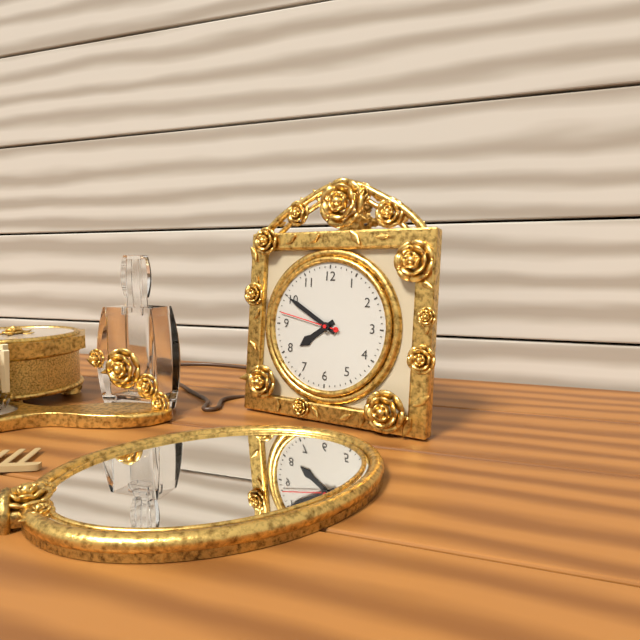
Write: h=7 m=50 s=47
